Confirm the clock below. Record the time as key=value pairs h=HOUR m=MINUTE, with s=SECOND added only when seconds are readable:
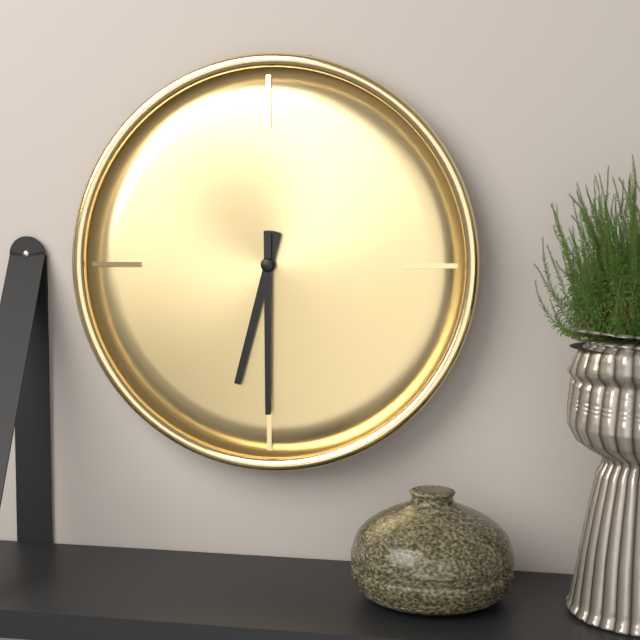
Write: h=6 m=30
